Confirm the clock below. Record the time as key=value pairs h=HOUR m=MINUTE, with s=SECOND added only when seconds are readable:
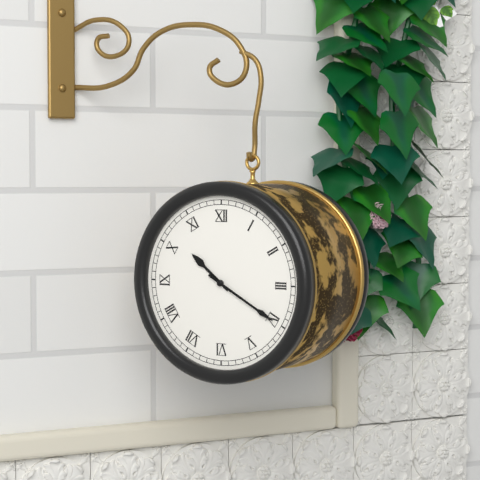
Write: h=10 m=20
